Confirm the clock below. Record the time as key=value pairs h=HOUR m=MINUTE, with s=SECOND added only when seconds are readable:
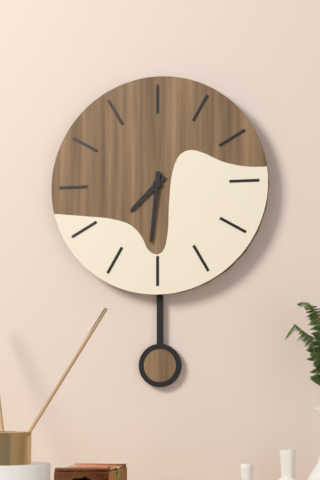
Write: h=7 m=31
